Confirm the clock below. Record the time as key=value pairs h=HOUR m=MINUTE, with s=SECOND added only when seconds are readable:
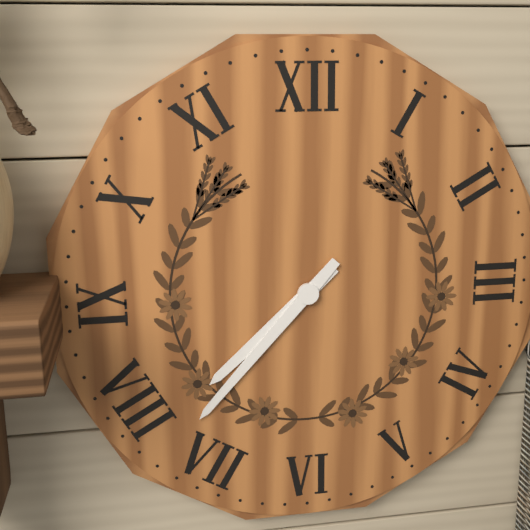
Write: h=7 m=37
